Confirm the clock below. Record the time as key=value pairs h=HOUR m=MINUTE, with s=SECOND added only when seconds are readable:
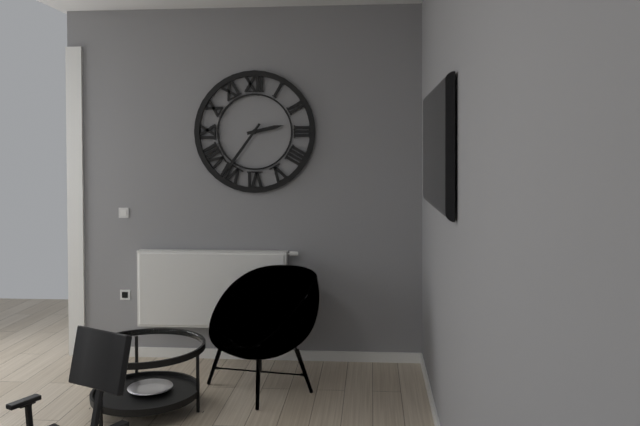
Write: h=2 m=36
